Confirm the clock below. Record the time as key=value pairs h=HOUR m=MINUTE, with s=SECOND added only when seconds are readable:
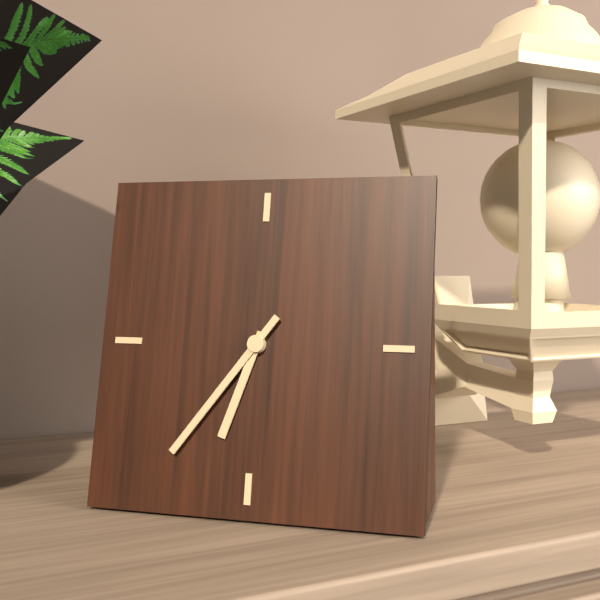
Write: h=6 m=36
